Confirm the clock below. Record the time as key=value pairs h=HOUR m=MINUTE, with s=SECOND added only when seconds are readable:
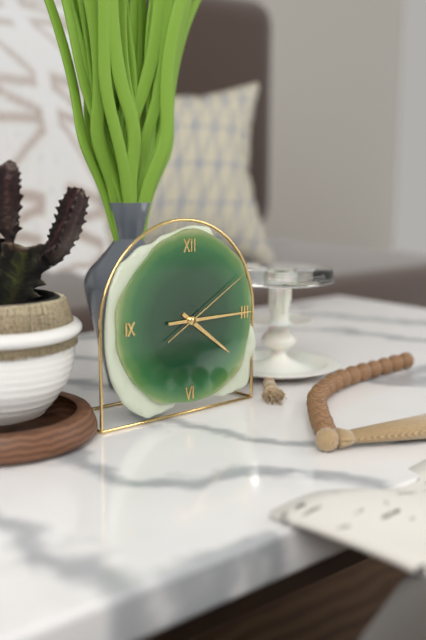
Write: h=4 m=15 s=10
